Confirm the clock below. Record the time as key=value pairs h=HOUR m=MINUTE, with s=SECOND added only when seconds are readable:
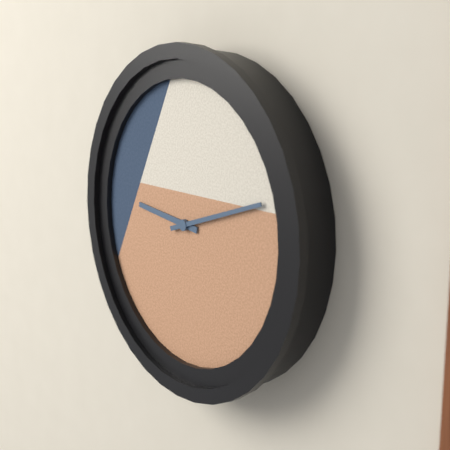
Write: h=9 m=12
